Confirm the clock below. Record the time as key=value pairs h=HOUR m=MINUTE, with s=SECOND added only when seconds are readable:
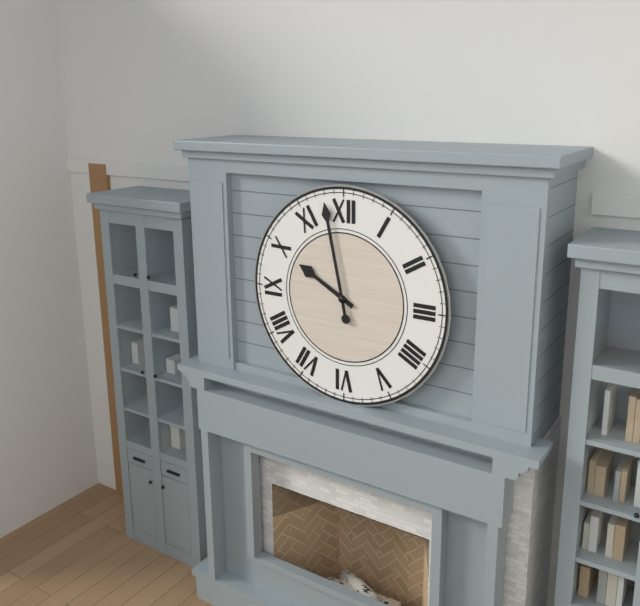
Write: h=9 m=58
